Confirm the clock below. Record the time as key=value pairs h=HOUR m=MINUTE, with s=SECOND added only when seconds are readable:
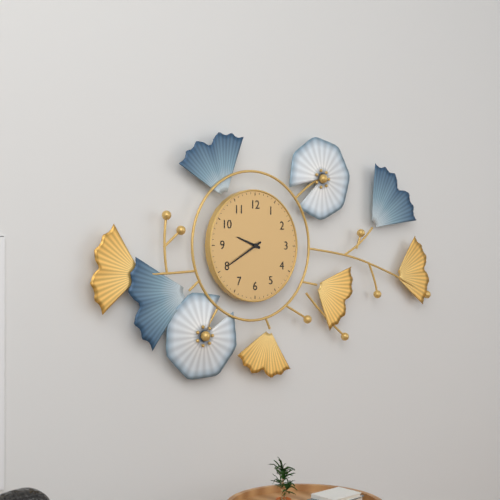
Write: h=9 m=40
